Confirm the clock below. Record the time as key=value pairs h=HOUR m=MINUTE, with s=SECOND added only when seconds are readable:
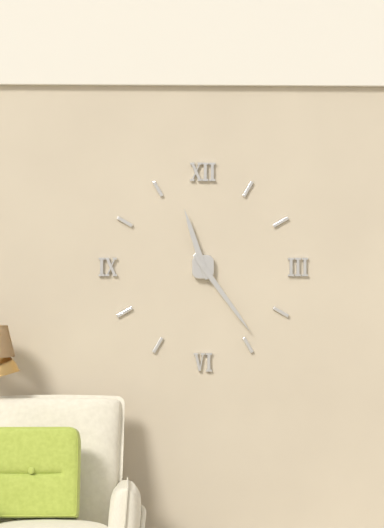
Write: h=11 m=24
